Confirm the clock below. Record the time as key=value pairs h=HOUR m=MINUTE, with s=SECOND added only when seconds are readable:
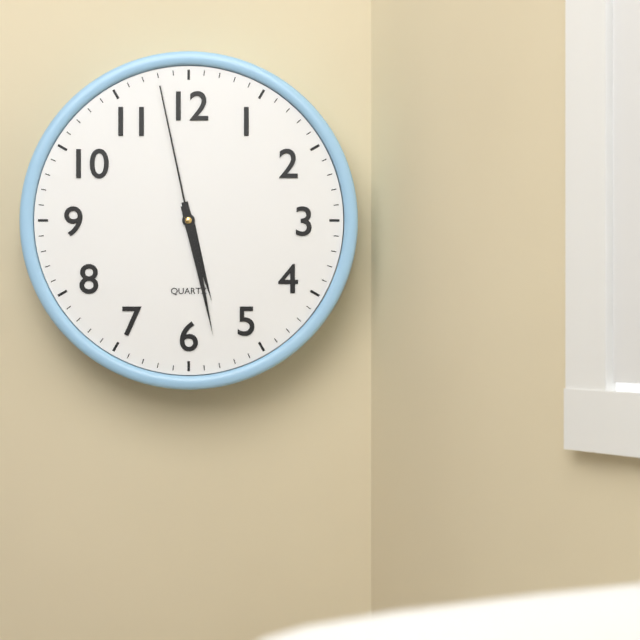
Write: h=5 m=28 s=58
